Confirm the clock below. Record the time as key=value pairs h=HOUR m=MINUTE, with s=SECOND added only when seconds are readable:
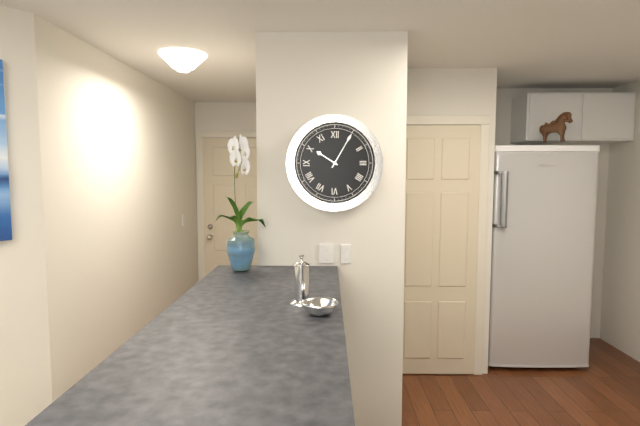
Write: h=10 m=5
